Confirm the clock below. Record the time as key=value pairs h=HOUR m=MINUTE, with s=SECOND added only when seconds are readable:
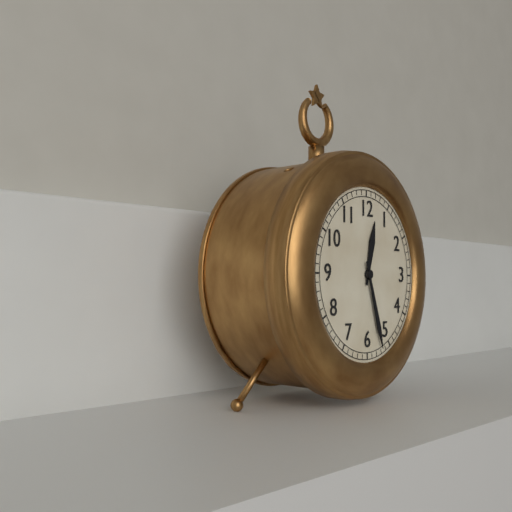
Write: h=12 m=27
